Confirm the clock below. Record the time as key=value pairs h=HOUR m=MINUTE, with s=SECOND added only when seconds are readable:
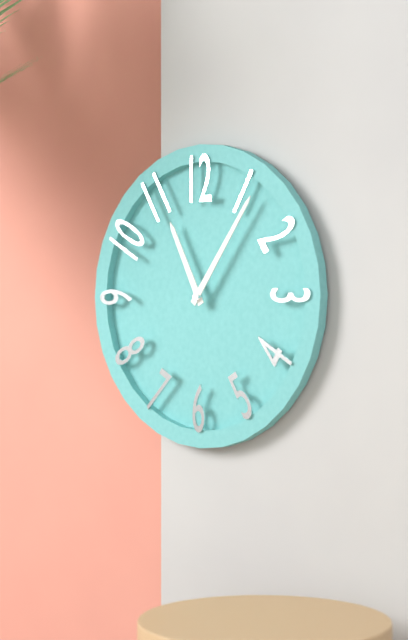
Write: h=11 m=6
